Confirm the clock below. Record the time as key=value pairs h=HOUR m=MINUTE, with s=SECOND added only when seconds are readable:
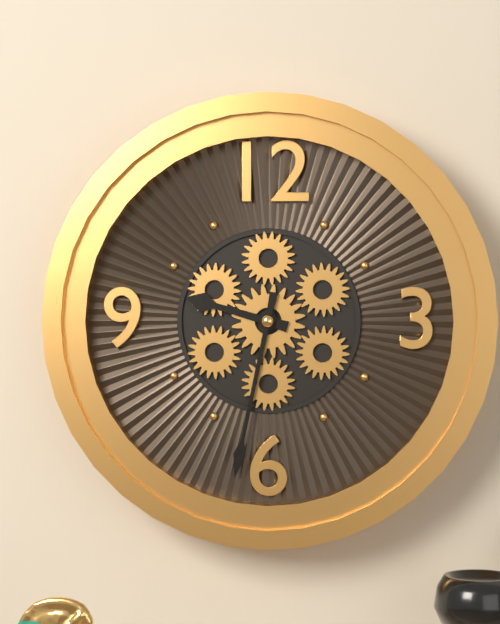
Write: h=9 m=32
